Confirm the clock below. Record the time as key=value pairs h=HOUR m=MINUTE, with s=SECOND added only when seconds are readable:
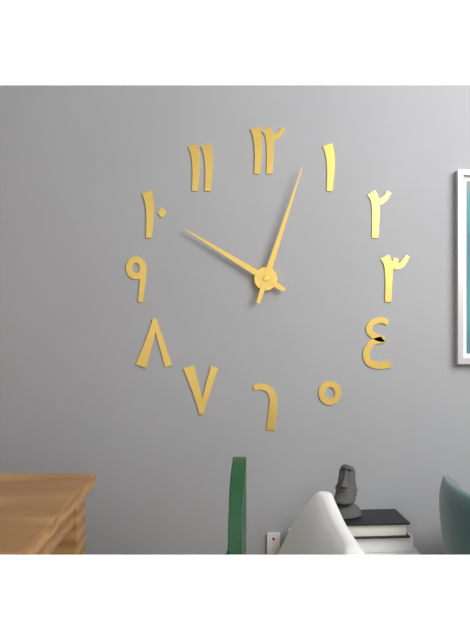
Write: h=10 m=3
